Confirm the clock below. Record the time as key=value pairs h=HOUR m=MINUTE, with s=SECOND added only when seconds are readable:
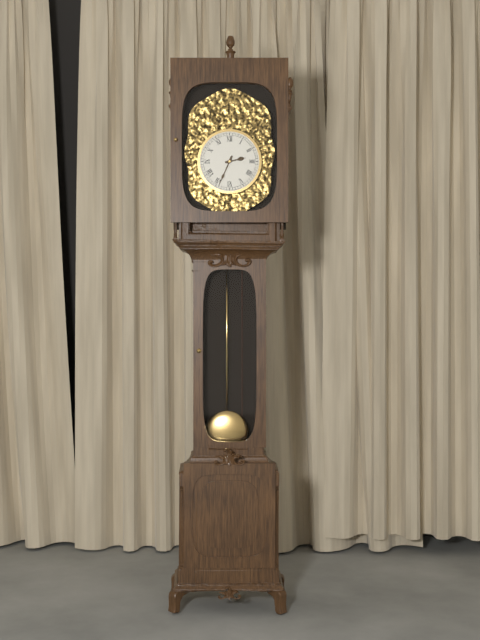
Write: h=2 m=34
